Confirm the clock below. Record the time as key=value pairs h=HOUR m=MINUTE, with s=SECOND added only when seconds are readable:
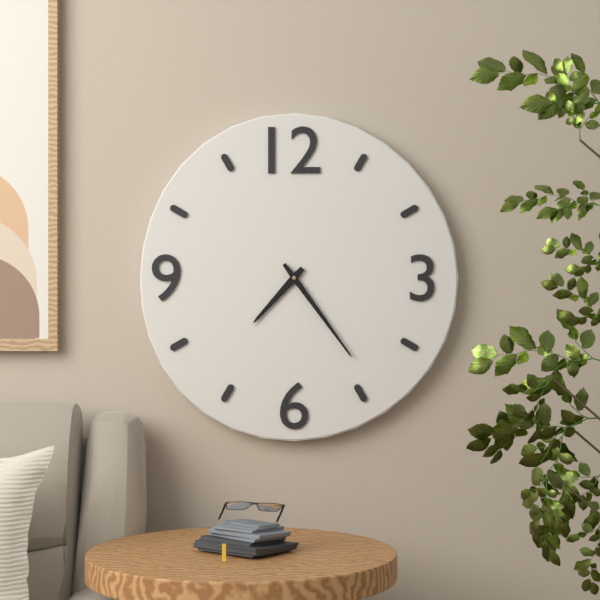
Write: h=7 m=24
